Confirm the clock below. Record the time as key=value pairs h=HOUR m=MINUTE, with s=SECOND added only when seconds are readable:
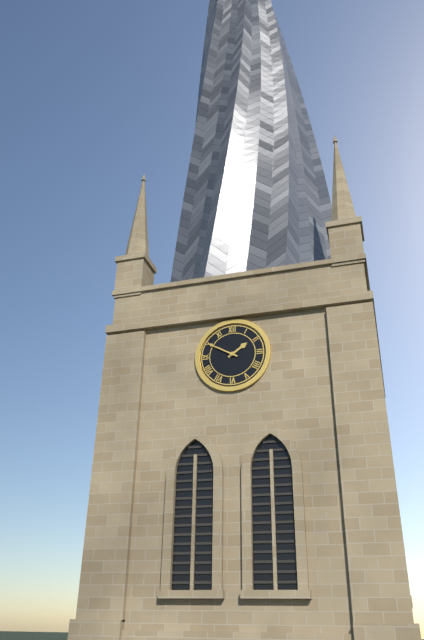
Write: h=1 m=50
